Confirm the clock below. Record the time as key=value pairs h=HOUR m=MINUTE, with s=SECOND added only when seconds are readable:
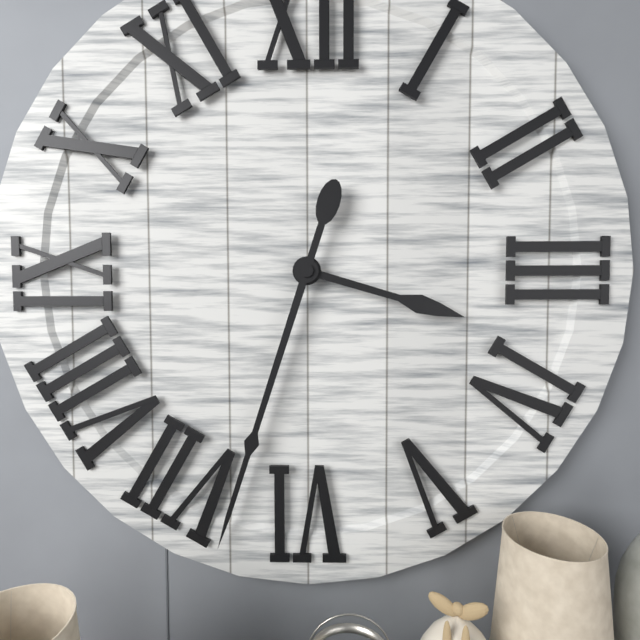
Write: h=3 m=33
